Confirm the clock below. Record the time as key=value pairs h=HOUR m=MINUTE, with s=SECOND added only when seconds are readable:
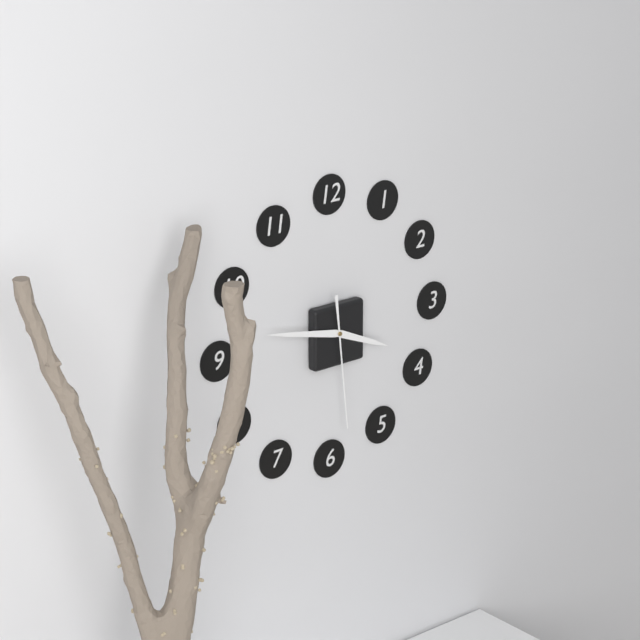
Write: h=3 m=47 s=29
